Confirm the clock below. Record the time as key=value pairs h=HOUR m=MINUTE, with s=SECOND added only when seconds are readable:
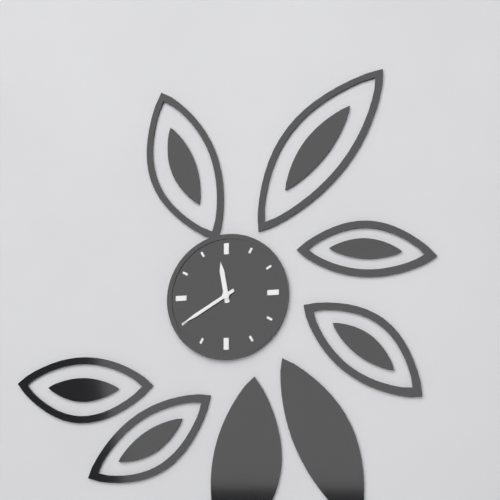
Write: h=11 m=40
